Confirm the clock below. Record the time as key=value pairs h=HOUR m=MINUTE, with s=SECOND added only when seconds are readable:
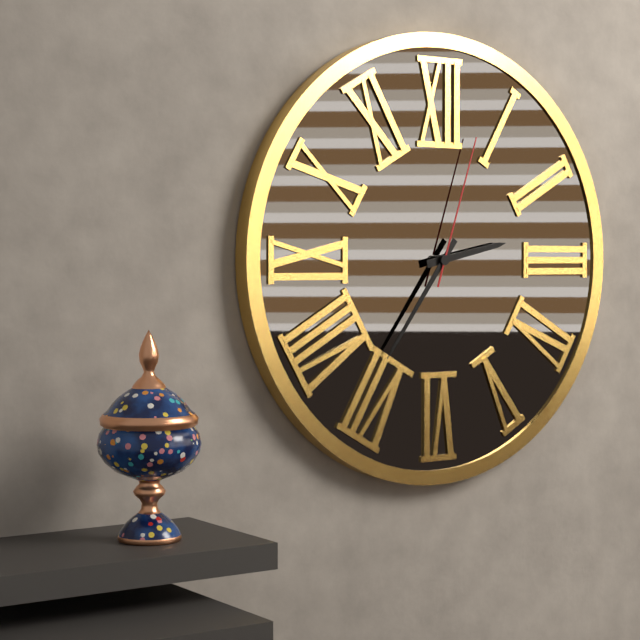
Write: h=2 m=36 s=3
